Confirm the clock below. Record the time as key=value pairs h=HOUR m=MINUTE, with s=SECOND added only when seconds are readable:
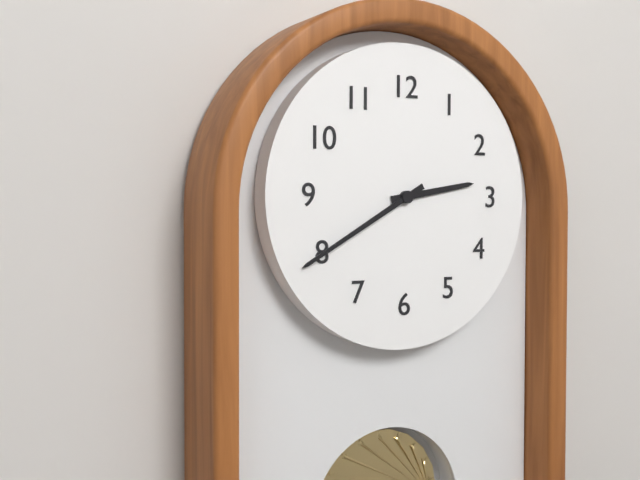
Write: h=2 m=40
